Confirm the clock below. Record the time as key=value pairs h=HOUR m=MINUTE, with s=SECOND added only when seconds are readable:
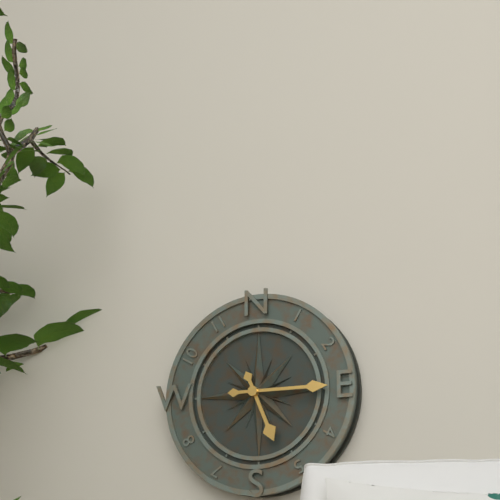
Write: h=5 m=15
